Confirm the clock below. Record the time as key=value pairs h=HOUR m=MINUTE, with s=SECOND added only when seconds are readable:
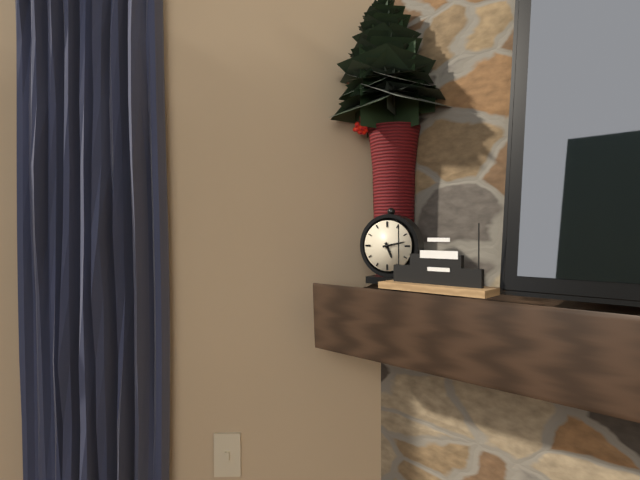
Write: h=5 m=13
